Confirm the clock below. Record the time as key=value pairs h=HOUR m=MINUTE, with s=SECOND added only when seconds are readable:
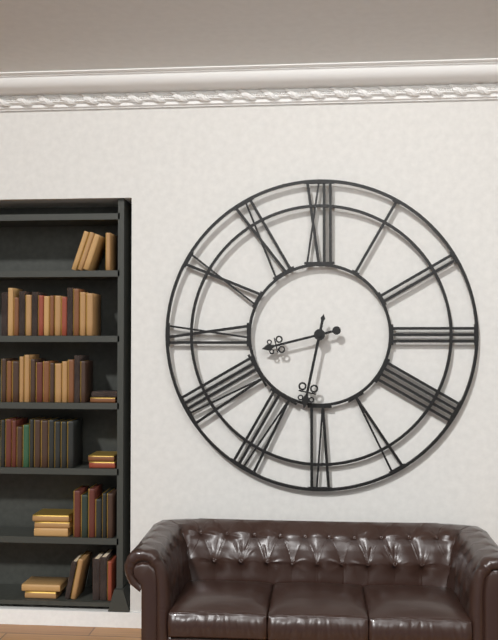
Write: h=8 m=32
